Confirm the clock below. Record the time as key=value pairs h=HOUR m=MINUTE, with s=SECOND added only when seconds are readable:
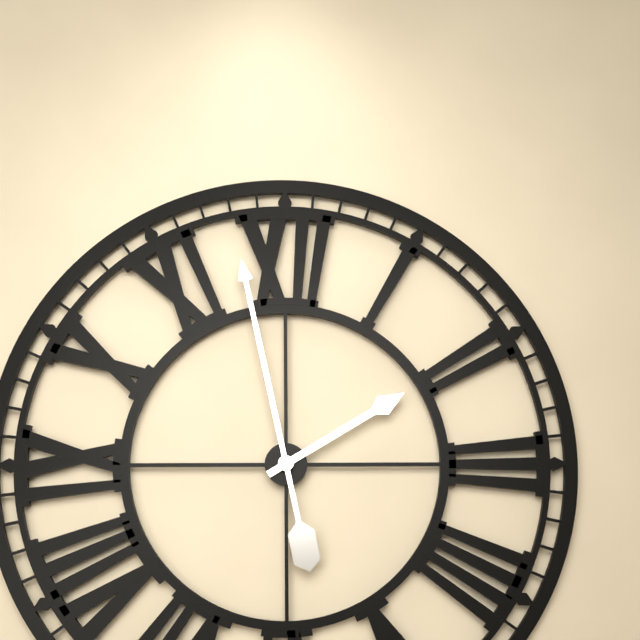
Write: h=1 m=58
